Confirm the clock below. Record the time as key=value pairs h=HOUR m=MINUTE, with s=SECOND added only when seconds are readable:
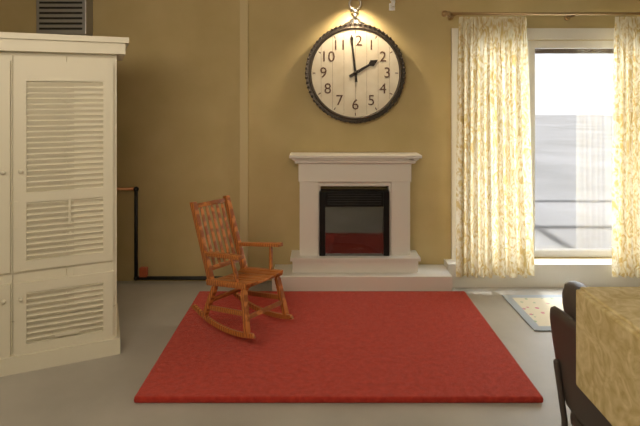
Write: h=1 m=59
